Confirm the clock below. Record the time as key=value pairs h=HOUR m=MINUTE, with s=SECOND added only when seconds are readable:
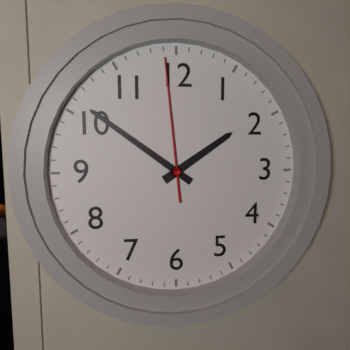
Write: h=1 m=51 s=59
